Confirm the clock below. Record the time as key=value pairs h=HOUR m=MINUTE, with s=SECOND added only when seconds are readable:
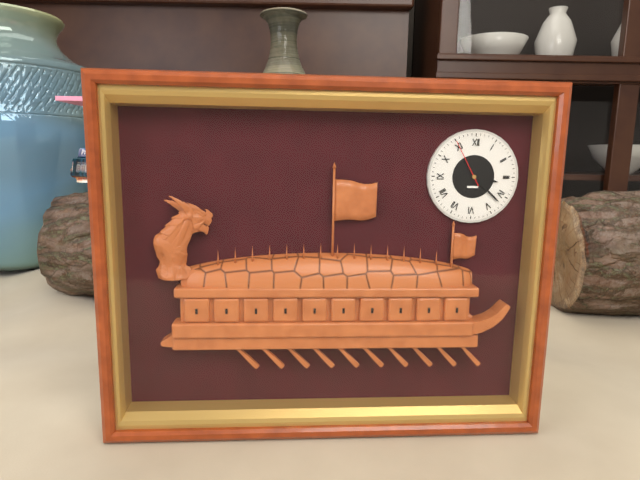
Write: h=3 m=22
